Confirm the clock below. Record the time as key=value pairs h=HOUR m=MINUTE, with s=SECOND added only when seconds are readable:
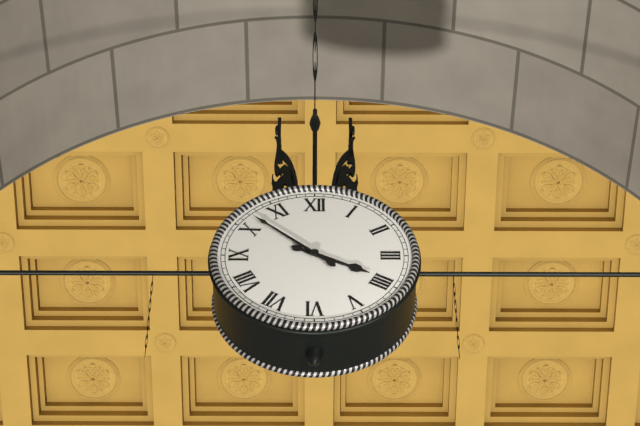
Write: h=3 m=52
